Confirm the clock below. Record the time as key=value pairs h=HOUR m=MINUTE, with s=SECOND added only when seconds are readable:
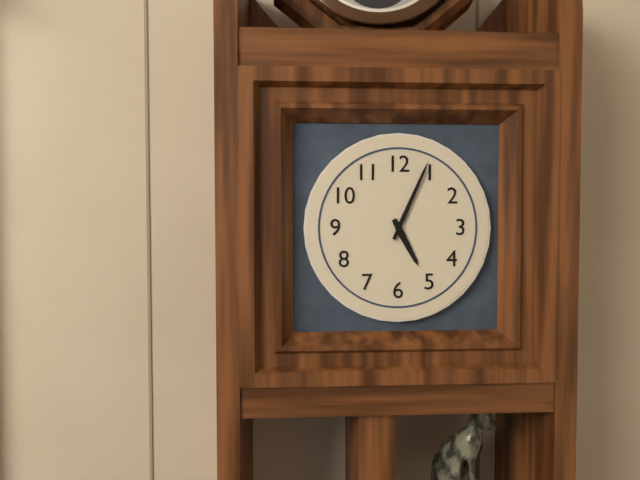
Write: h=5 m=4
